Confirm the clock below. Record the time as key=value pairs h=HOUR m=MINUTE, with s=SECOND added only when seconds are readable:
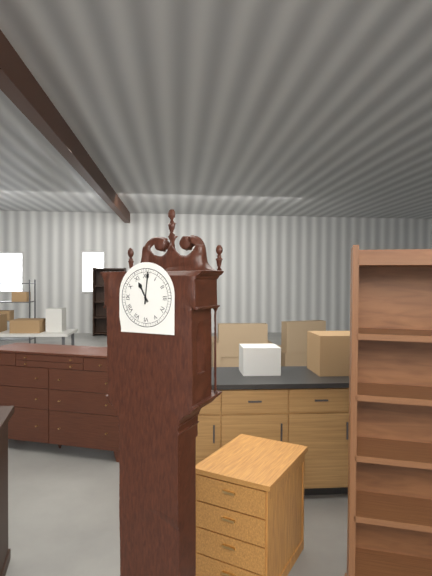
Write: h=11 m=1
